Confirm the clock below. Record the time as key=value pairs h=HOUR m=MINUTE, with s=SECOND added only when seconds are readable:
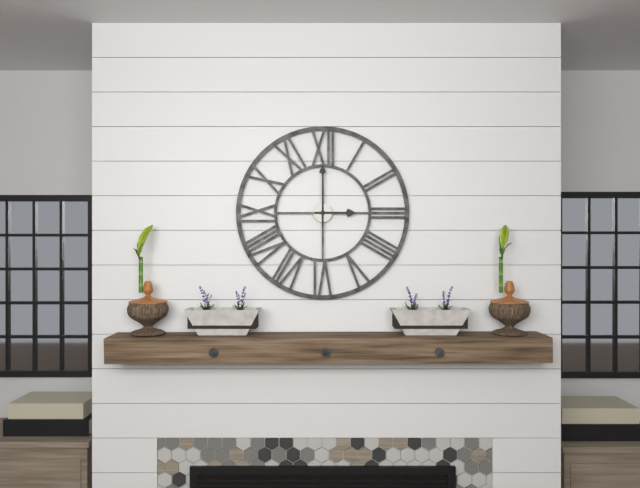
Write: h=3 m=0
